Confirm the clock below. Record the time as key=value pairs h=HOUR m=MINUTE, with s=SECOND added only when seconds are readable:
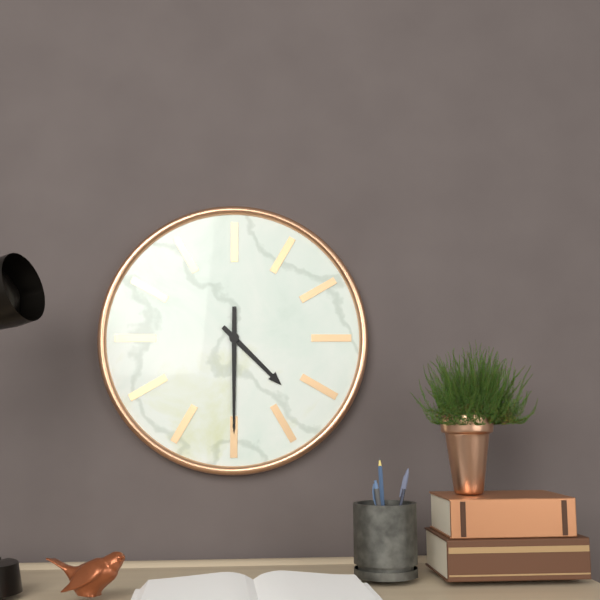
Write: h=4 m=30
